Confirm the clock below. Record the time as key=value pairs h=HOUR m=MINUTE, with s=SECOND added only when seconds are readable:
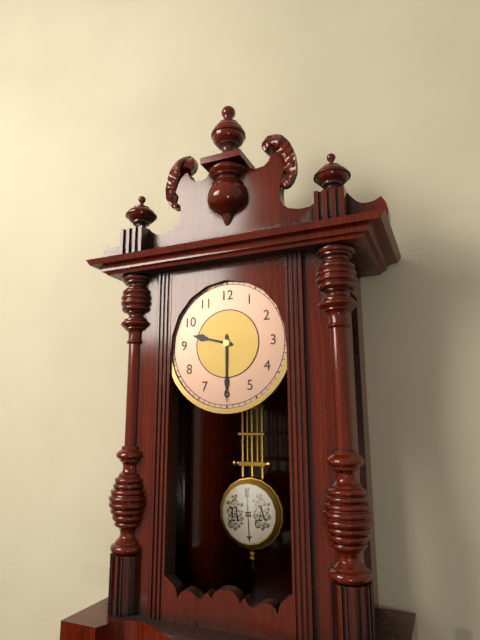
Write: h=9 m=30
